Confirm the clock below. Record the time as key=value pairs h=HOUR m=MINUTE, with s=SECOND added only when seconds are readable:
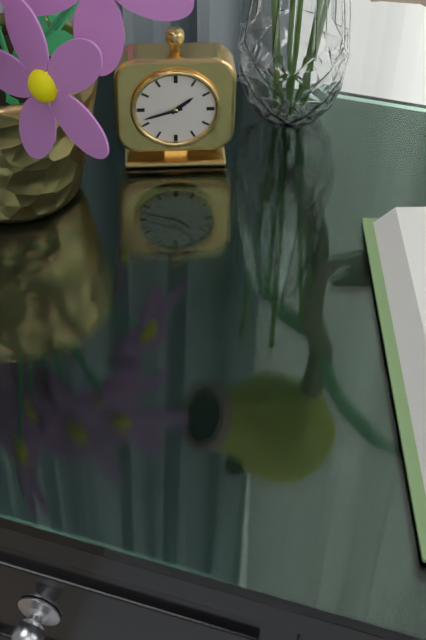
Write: h=1 m=42
